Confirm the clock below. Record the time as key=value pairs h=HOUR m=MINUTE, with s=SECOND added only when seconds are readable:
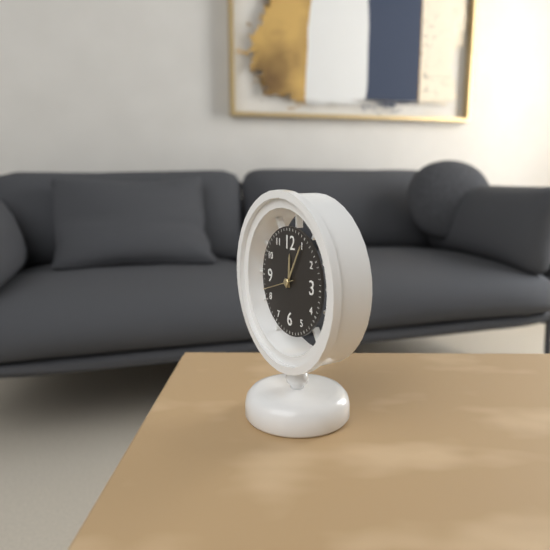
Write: h=12 m=5
